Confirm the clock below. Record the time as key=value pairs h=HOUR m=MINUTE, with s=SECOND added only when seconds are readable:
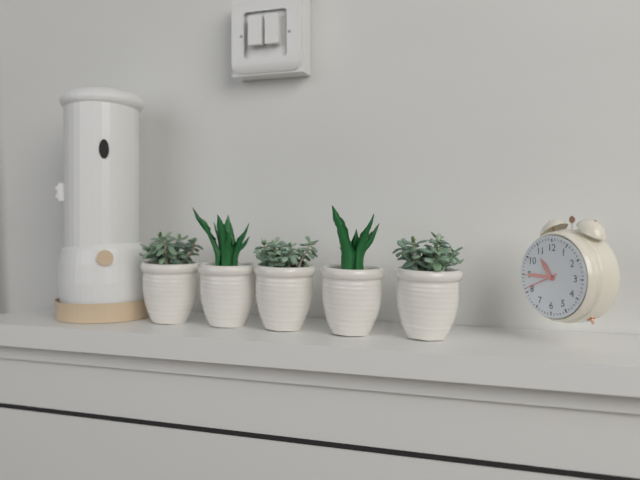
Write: h=10 m=45
